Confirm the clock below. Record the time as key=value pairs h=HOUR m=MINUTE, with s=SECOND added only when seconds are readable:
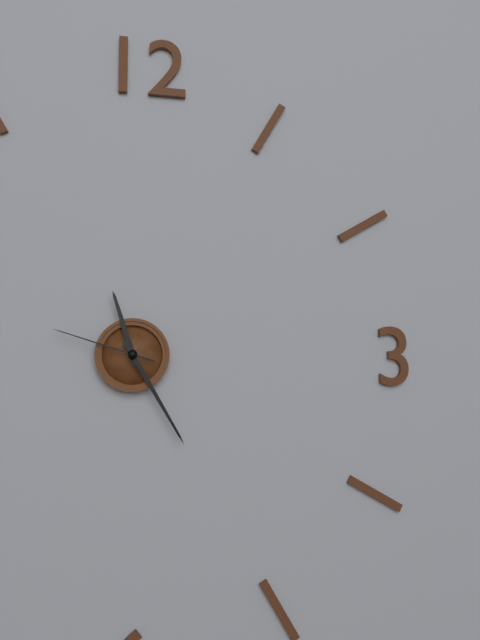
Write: h=11 m=25 s=48
